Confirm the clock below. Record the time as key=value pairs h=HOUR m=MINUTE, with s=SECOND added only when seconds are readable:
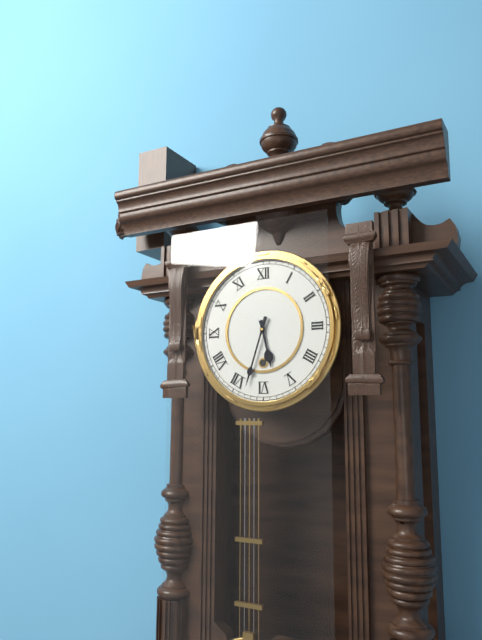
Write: h=5 m=33
